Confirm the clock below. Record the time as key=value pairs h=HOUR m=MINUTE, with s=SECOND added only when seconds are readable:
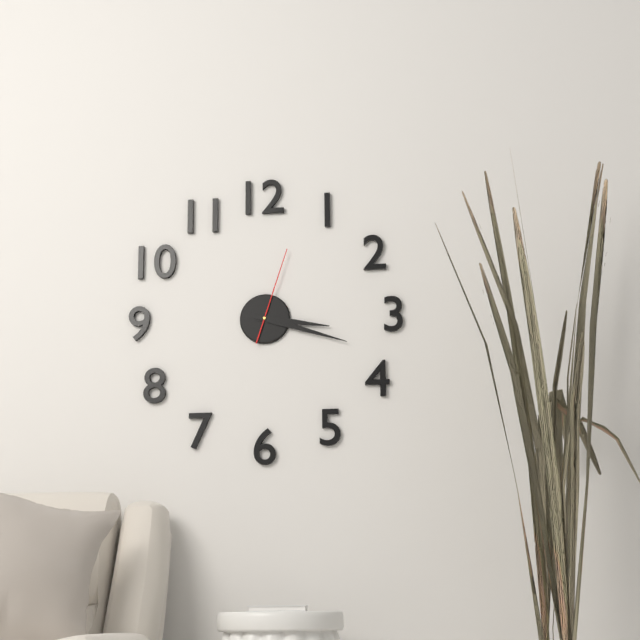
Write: h=3 m=18 s=3
